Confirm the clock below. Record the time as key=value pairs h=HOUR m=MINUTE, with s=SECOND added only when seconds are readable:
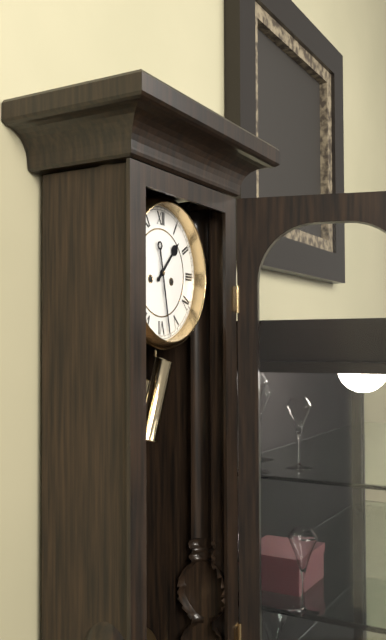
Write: h=1 m=28
